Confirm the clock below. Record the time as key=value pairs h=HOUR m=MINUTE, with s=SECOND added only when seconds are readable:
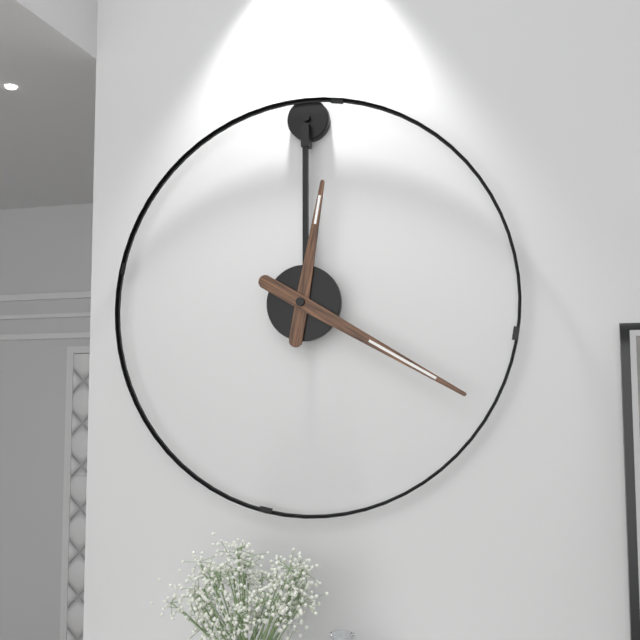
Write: h=12 m=20
